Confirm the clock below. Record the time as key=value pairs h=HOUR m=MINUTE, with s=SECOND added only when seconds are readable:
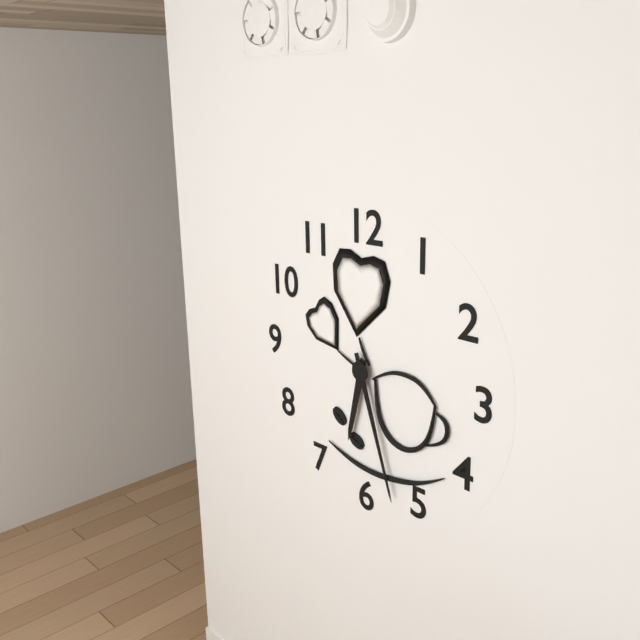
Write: h=6 m=27
